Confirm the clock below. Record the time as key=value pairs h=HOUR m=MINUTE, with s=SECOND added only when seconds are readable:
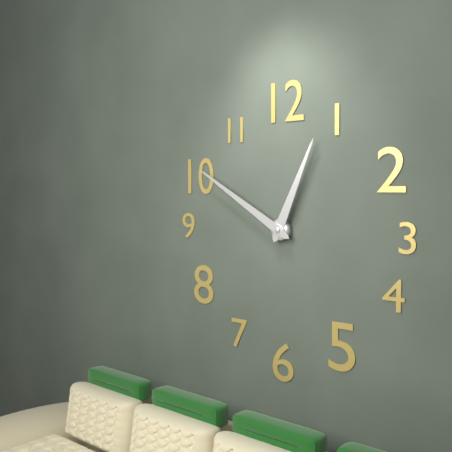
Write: h=12 m=50
